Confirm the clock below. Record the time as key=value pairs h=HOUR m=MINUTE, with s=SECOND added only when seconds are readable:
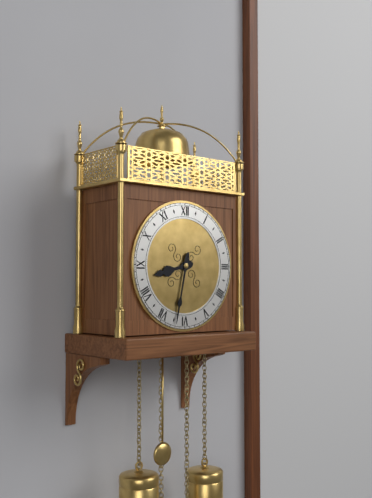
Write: h=8 m=32
